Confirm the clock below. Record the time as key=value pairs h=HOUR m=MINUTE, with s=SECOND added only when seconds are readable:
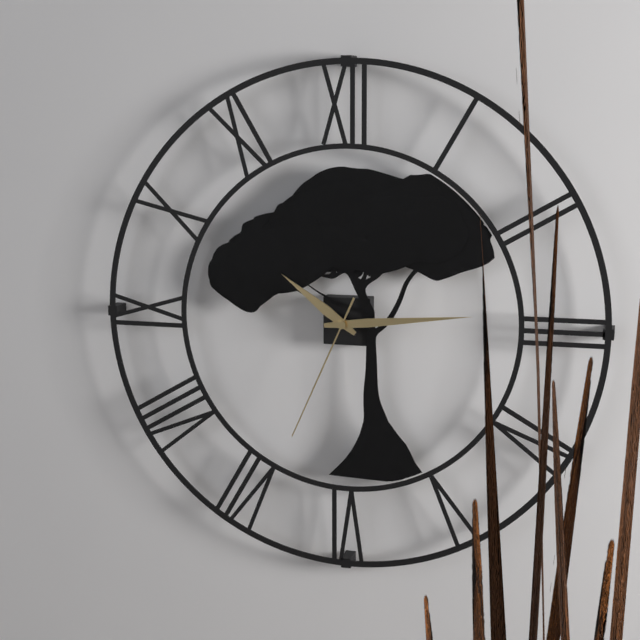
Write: h=10 m=14 s=34
